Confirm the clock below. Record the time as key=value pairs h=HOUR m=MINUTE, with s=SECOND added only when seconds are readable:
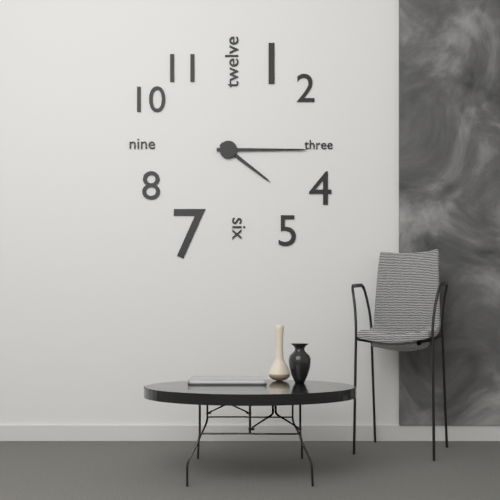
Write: h=4 m=15
